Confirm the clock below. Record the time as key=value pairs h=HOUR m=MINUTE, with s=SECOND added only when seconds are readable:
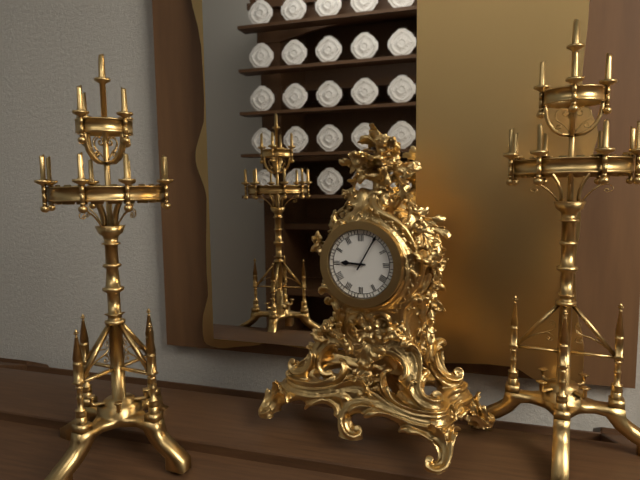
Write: h=9 m=5
